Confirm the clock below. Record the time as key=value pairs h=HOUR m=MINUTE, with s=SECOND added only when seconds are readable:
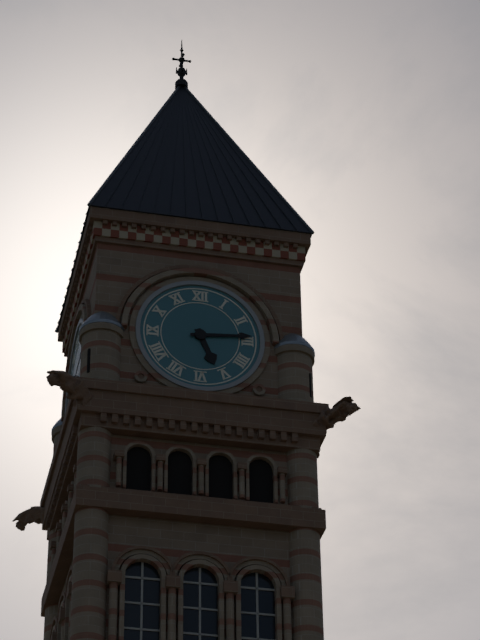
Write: h=5 m=14
